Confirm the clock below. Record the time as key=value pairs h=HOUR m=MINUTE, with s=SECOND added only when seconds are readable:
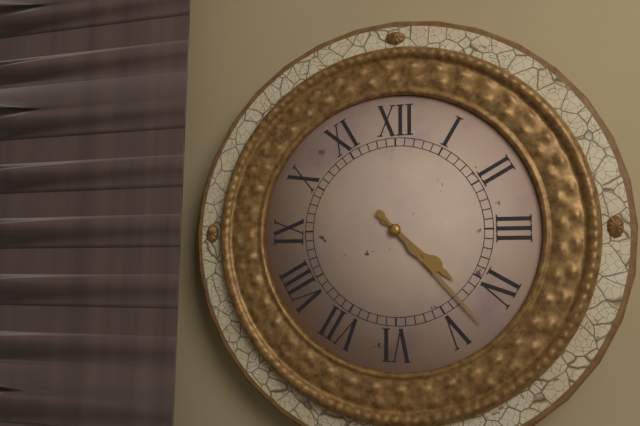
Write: h=4 m=23
